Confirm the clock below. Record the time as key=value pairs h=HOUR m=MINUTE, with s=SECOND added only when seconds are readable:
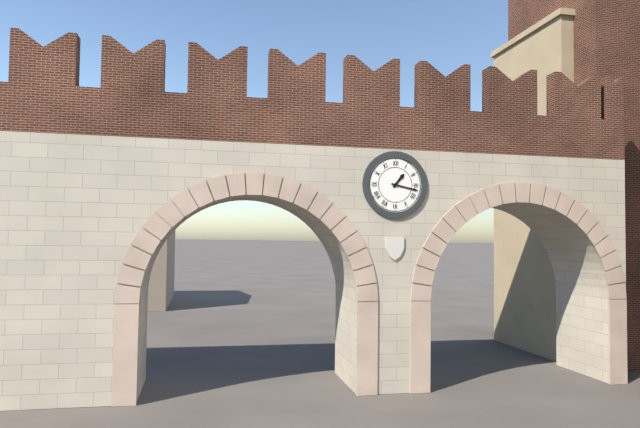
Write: h=1 m=17
